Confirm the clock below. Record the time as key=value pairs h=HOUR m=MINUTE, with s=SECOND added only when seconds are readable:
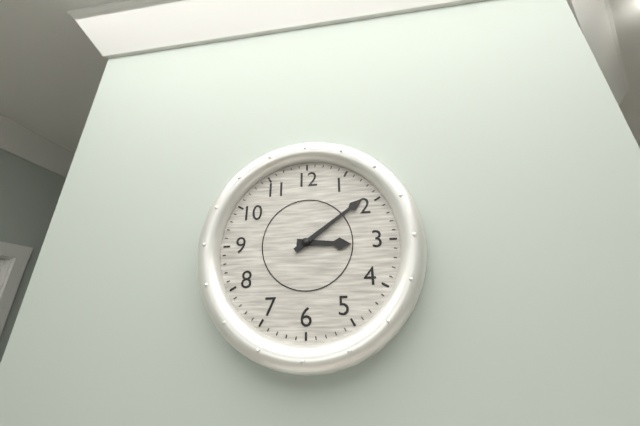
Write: h=3 m=9
